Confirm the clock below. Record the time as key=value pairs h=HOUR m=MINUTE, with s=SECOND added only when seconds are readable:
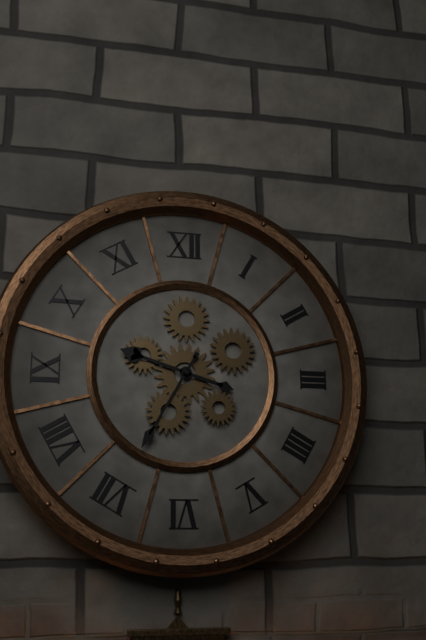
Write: h=9 m=35
